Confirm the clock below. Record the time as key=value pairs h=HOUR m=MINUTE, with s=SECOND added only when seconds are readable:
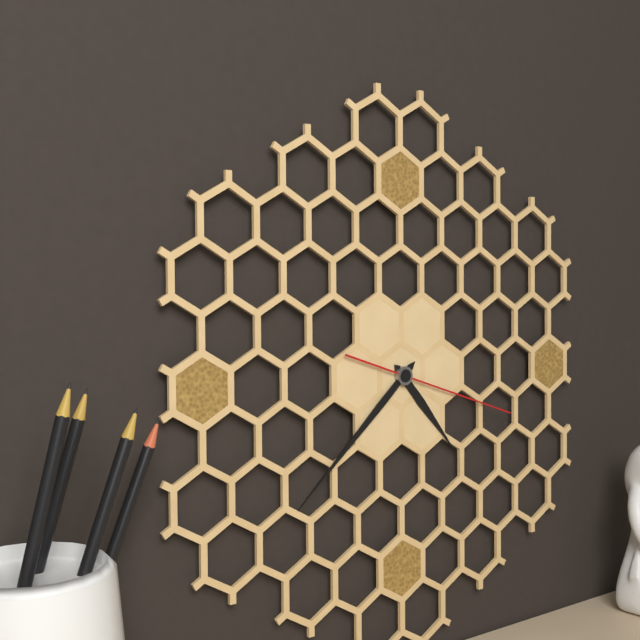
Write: h=4 m=38 s=18
